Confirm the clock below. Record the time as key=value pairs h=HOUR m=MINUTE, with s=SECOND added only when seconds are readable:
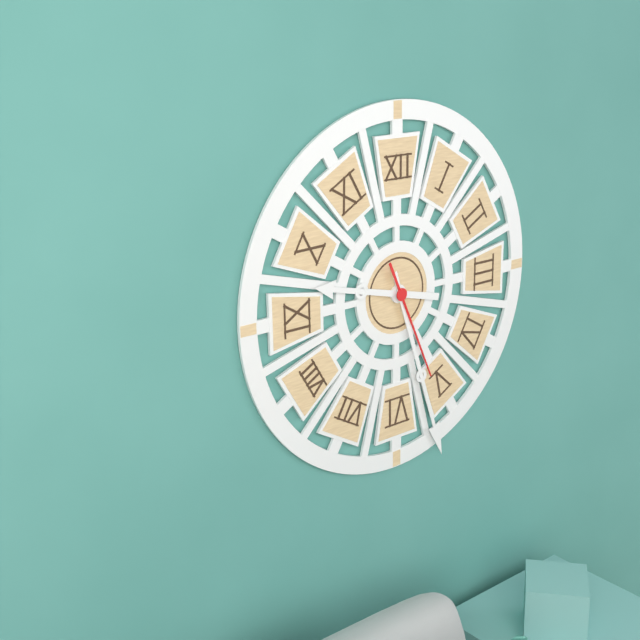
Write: h=9 m=27 s=26
